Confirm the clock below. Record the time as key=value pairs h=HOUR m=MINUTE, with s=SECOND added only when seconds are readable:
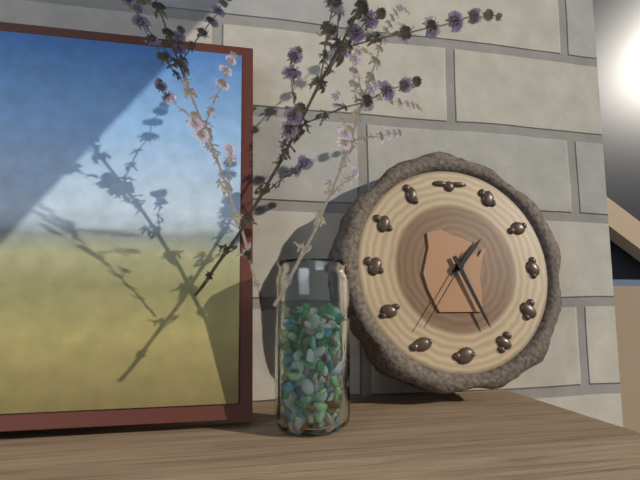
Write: h=1 m=26 s=36
